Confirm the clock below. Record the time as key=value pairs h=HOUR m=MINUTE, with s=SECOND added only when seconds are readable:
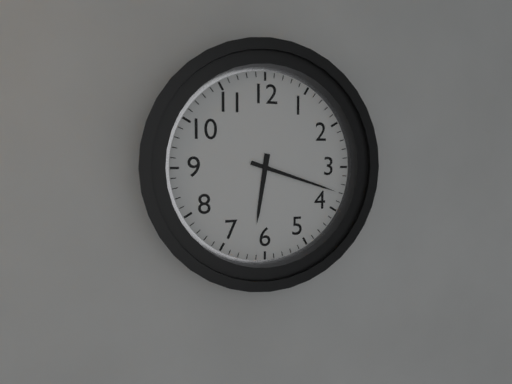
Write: h=6 m=18
